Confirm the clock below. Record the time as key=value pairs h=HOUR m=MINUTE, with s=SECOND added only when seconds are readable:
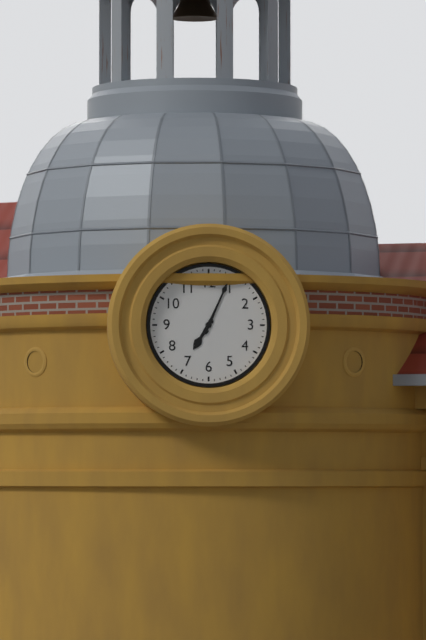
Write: h=7 m=4
